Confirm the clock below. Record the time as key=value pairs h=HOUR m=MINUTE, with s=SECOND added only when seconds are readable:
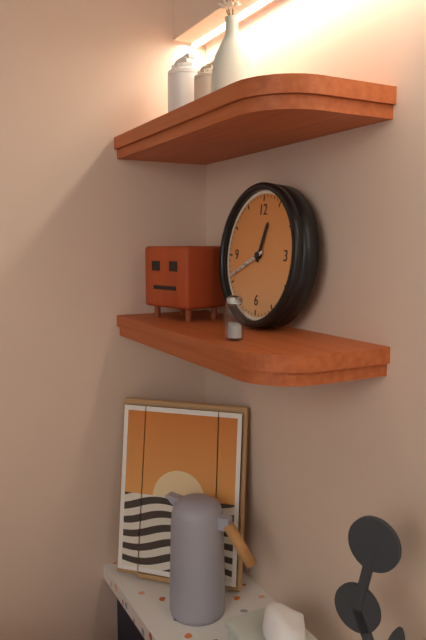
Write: h=12 m=41
